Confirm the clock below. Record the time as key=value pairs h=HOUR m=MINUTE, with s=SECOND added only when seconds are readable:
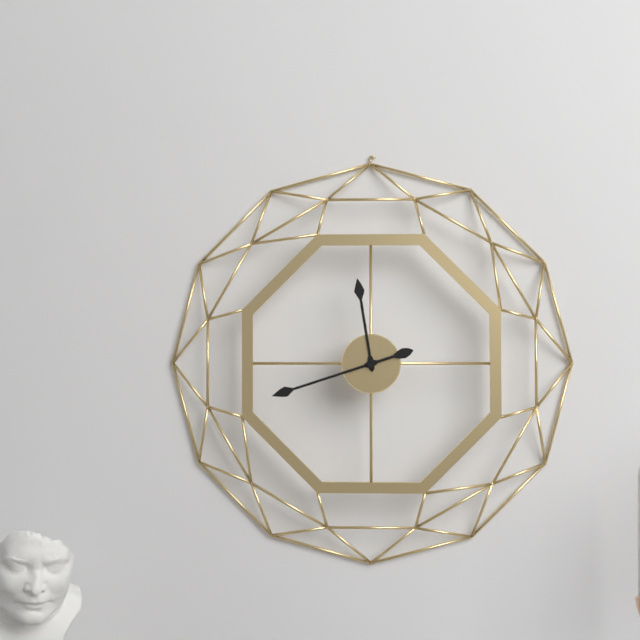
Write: h=11 m=42
